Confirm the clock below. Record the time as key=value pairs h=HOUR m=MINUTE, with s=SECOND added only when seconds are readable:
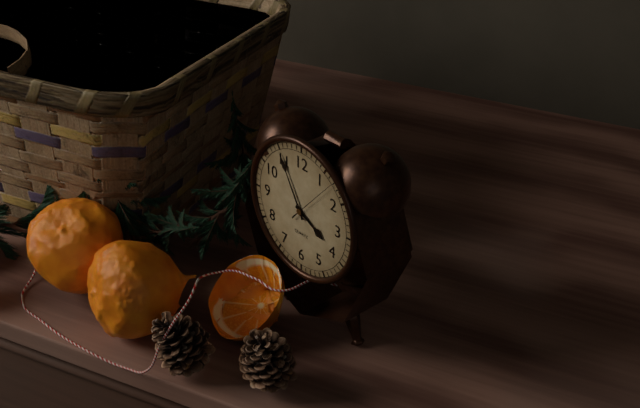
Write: h=3 m=55 s=7
